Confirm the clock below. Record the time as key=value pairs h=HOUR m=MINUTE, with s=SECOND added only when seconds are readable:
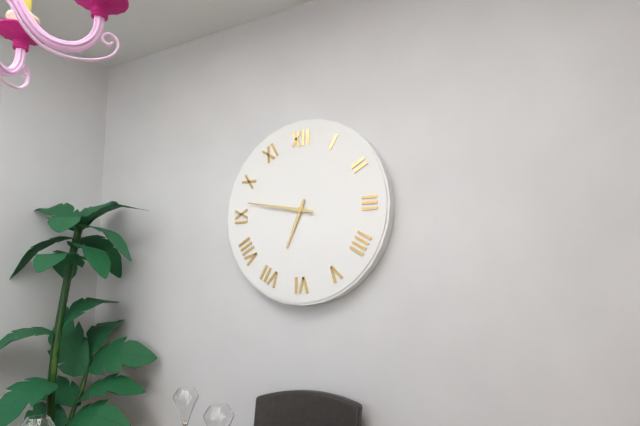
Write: h=6 m=47
